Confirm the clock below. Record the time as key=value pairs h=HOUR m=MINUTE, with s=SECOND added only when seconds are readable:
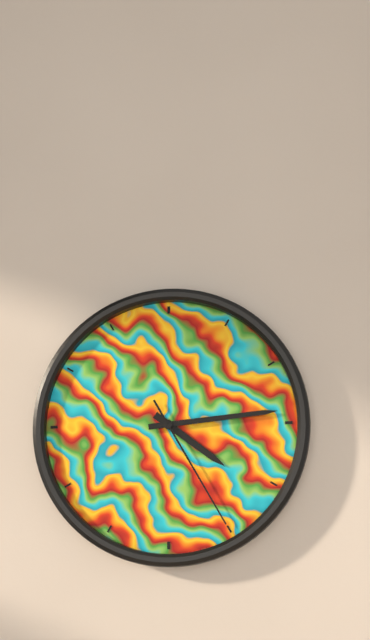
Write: h=4 m=14 s=25
